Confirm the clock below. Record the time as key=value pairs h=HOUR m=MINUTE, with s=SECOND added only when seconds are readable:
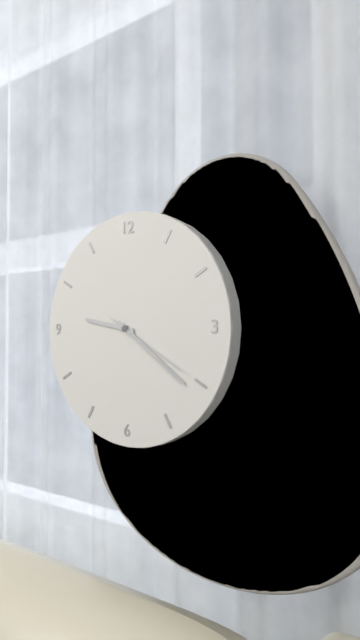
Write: h=9 m=21 s=20
